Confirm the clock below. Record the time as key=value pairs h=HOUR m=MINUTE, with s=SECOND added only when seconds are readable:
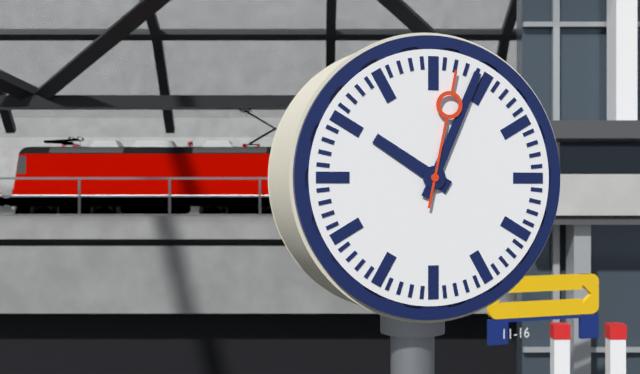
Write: h=10 m=4 s=2
